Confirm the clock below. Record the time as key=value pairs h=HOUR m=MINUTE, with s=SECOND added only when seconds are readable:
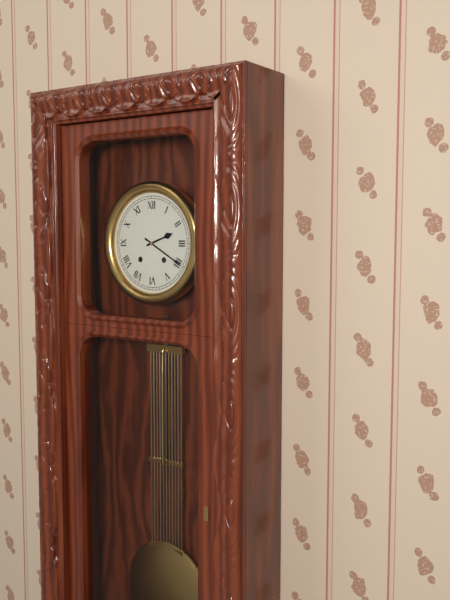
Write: h=2 m=20
